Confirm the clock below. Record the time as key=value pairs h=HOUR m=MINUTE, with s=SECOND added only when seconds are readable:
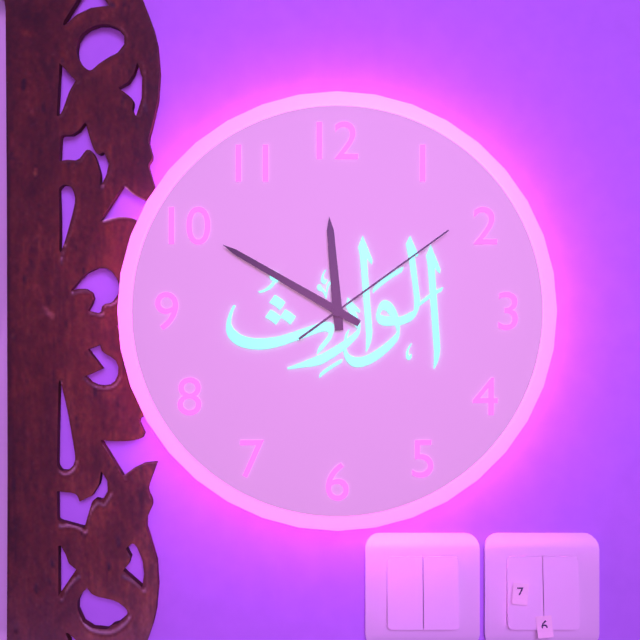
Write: h=11 m=50 s=9
